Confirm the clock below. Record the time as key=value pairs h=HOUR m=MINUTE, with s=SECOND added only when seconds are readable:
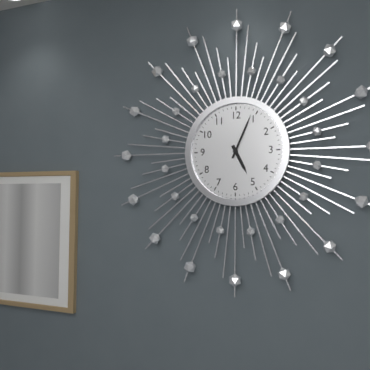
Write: h=5 m=4
